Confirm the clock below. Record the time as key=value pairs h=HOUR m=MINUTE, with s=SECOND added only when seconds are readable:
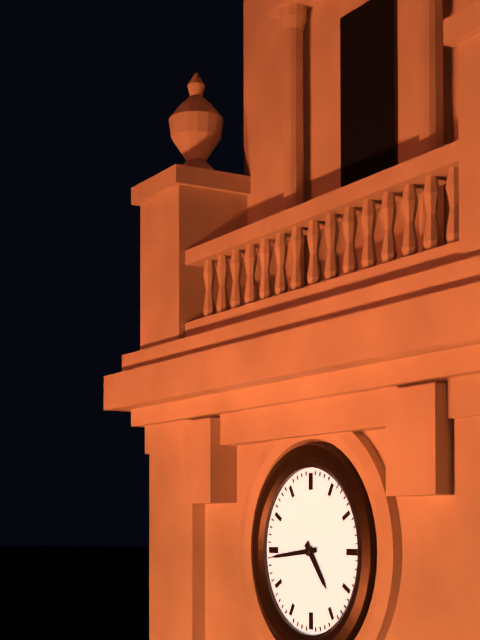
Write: h=4 m=44
